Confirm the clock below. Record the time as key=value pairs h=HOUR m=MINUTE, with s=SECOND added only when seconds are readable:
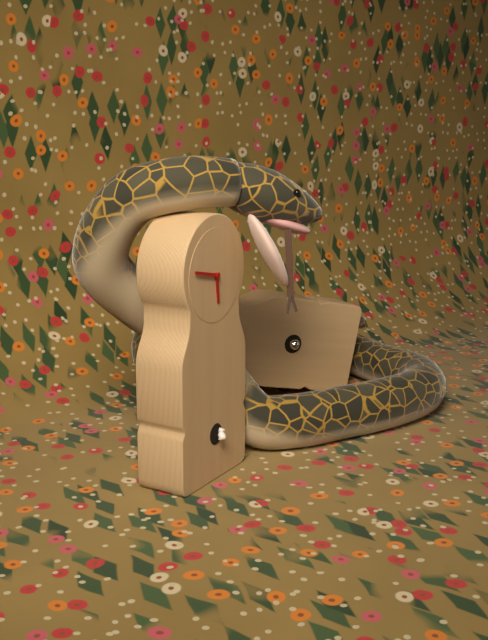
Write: h=5 m=47
